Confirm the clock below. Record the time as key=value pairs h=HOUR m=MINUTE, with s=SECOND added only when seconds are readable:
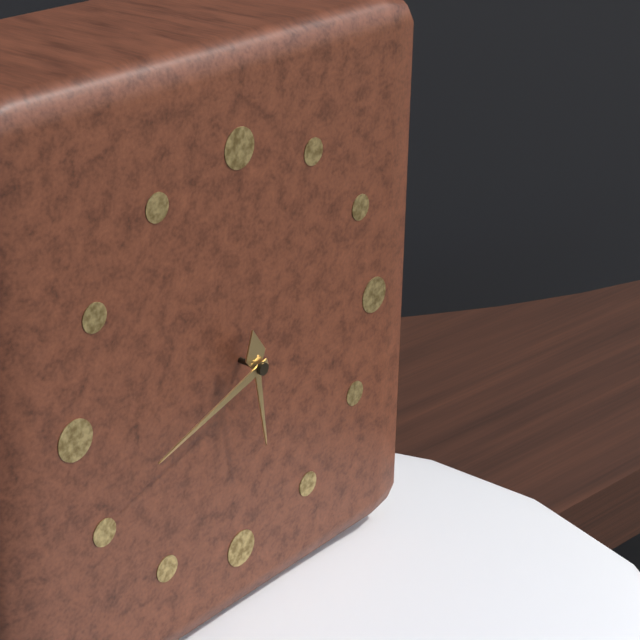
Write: h=5 m=42
